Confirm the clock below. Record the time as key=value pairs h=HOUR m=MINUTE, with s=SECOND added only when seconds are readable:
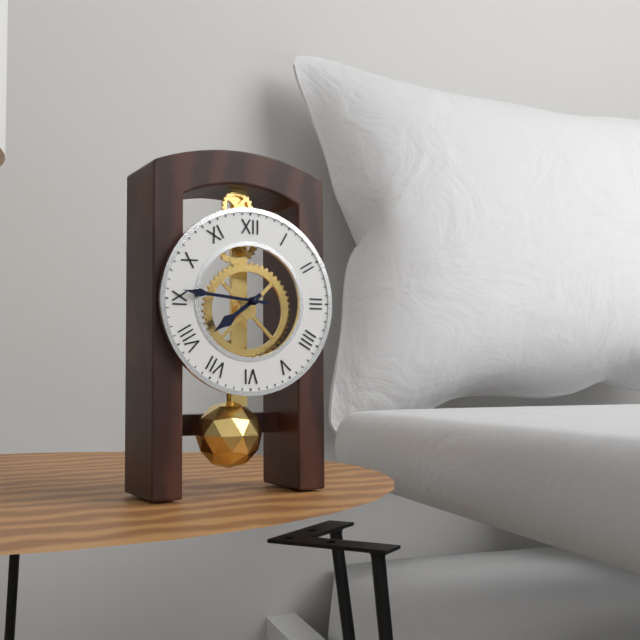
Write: h=7 m=46
